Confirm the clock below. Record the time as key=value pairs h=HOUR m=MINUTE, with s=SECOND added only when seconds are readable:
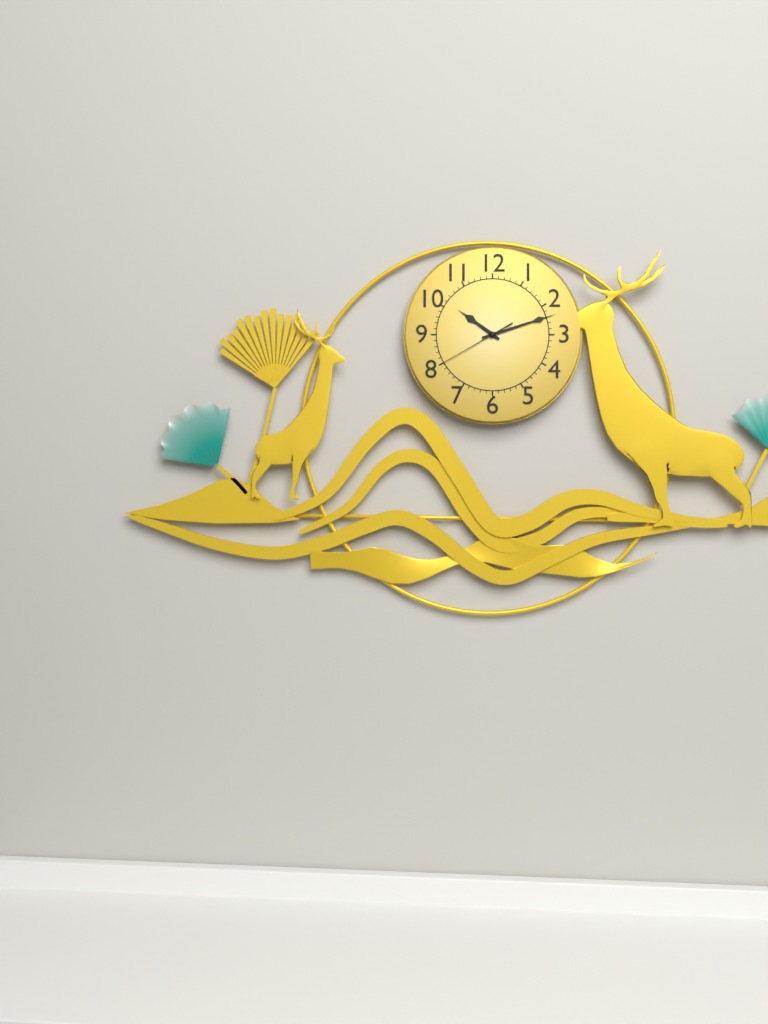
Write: h=10 m=12 s=40
